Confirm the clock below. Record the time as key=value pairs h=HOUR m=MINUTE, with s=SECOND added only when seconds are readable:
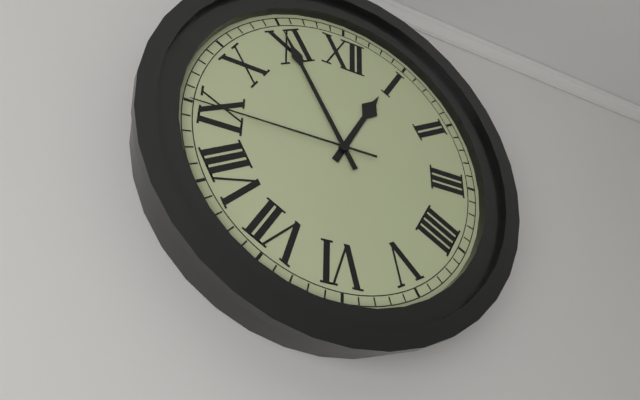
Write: h=12 m=55 s=45
